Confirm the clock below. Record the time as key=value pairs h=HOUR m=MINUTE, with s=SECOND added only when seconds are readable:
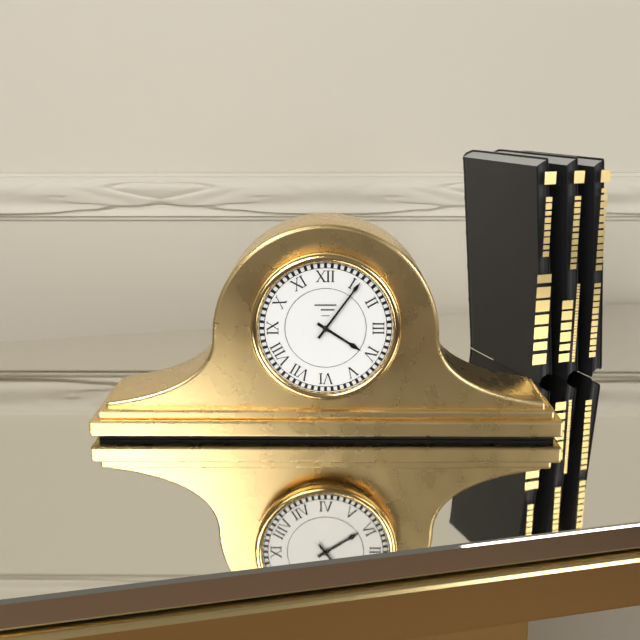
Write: h=4 m=6
